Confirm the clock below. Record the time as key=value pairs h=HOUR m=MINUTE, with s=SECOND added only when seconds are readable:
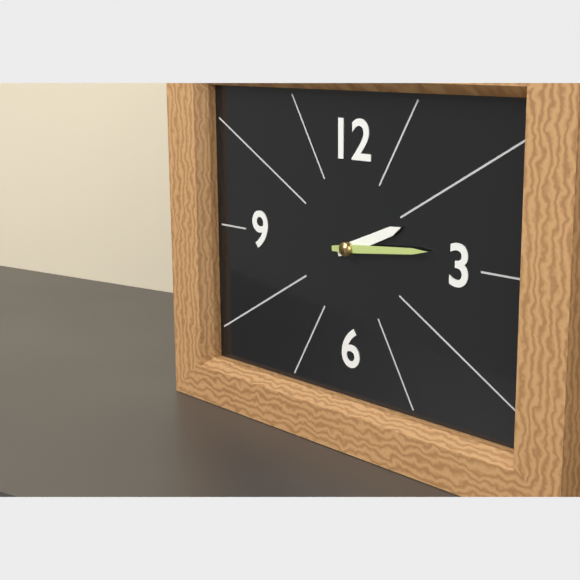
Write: h=2 m=14
